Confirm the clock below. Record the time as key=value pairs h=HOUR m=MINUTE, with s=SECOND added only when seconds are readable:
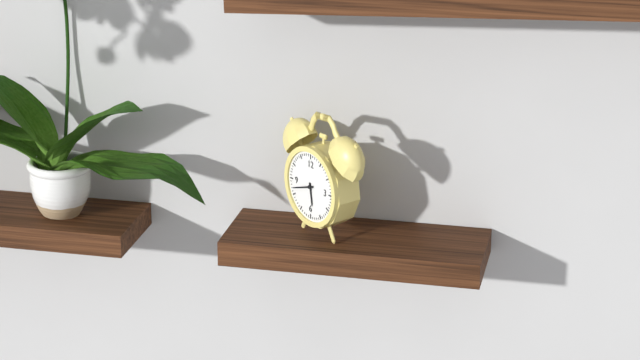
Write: h=5 m=42
